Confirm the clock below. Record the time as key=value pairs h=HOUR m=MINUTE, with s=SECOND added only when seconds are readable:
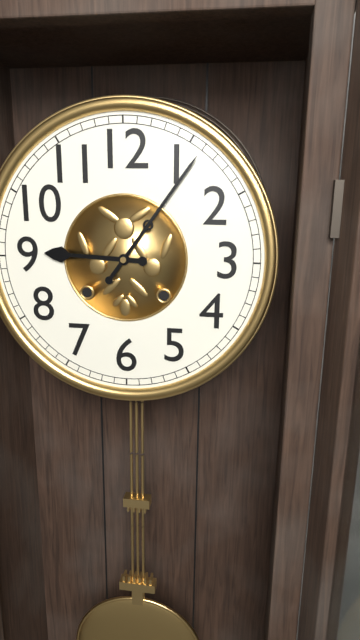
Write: h=9 m=6
